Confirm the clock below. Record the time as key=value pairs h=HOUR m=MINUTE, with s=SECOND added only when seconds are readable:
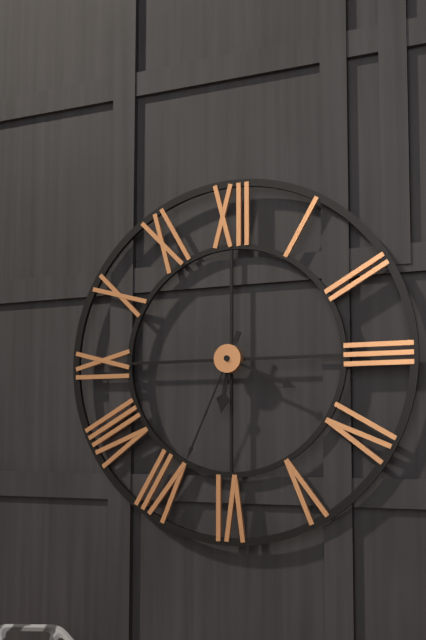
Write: h=6 m=19 s=34
